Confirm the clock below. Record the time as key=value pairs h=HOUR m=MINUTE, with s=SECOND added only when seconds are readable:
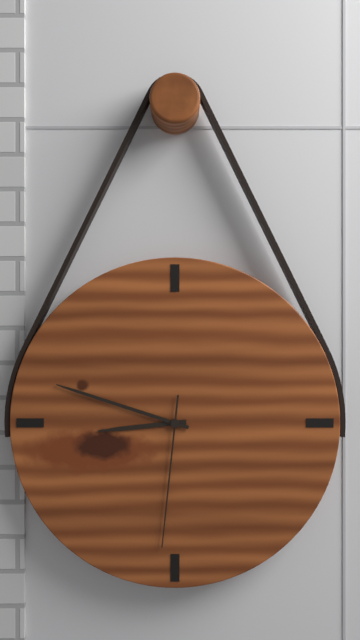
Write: h=8 m=48 s=31
